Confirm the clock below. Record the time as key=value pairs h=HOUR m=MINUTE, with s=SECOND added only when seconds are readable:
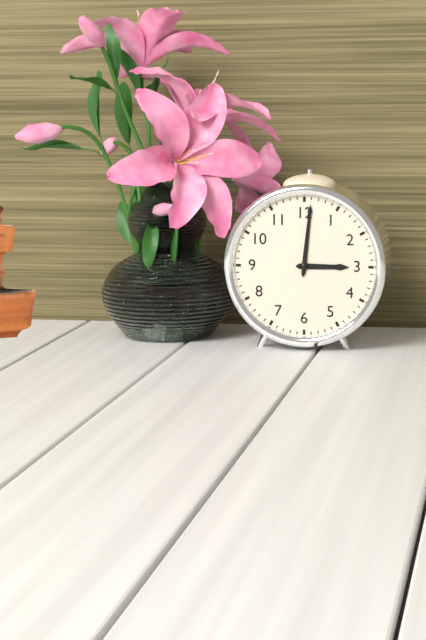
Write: h=3 m=1
